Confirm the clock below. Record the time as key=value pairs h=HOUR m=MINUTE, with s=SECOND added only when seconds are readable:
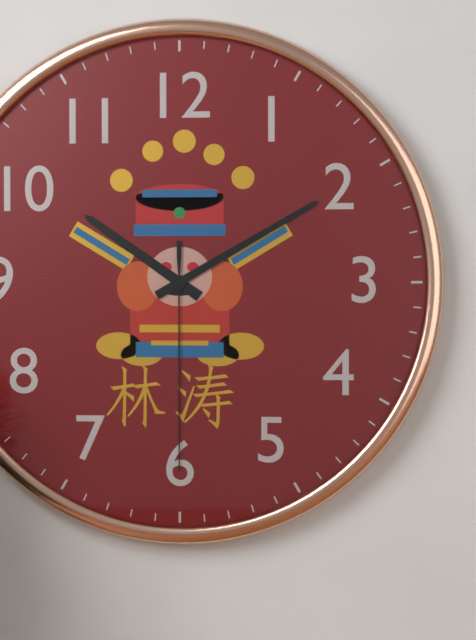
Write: h=10 m=10 s=30
